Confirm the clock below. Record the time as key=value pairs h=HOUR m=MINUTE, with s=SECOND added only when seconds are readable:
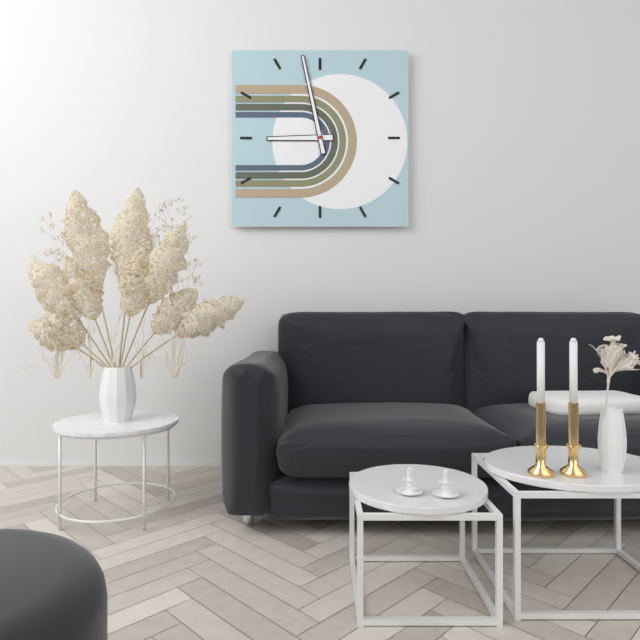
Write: h=8 m=58
